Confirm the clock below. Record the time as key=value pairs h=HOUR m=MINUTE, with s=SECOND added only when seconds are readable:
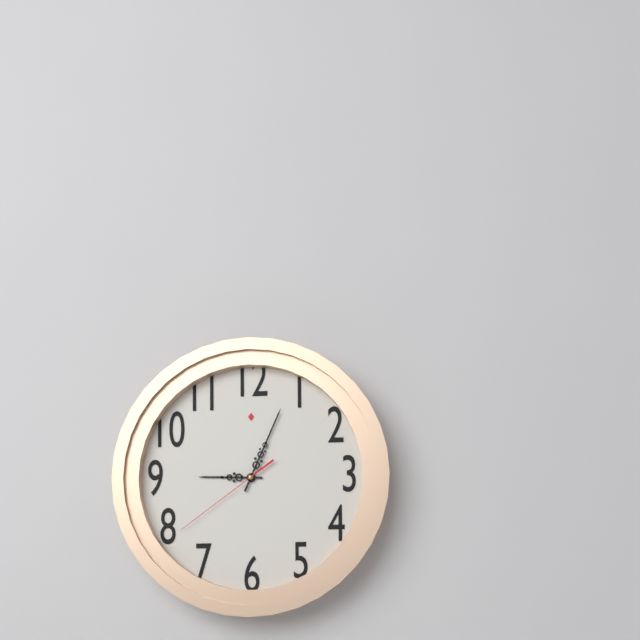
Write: h=9 m=4 s=39
